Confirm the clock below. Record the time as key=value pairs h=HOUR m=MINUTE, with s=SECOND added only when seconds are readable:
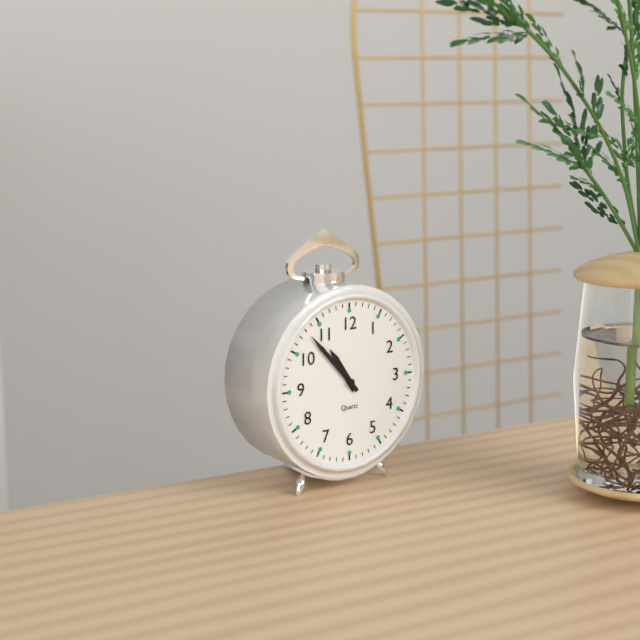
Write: h=10 m=53
